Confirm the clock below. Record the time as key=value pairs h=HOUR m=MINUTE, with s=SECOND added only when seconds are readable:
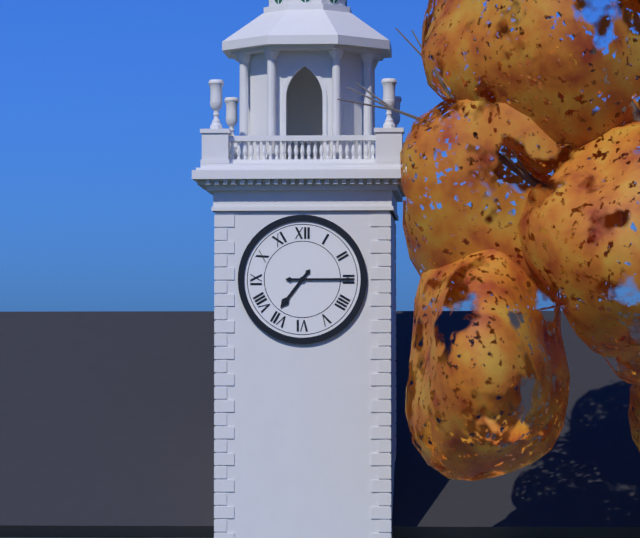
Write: h=7 m=15
